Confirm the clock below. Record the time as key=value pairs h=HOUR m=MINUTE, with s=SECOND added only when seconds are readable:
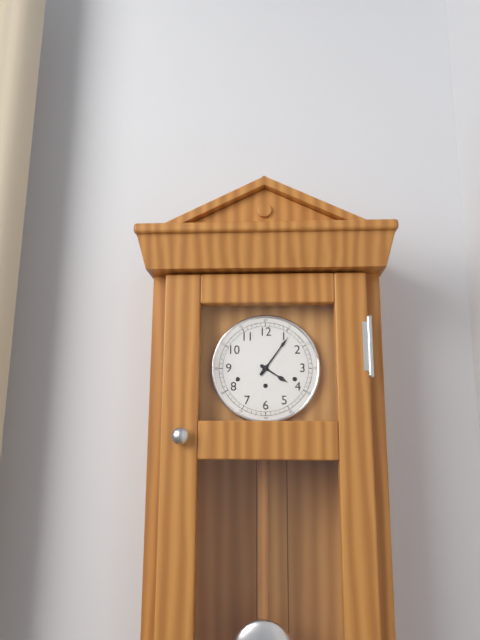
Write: h=4 m=6
